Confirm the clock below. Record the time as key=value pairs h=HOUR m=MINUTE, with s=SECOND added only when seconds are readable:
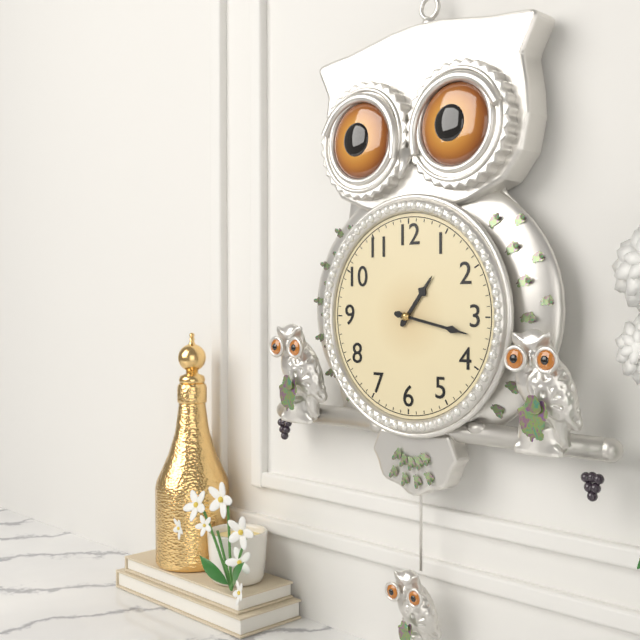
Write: h=1 m=17
